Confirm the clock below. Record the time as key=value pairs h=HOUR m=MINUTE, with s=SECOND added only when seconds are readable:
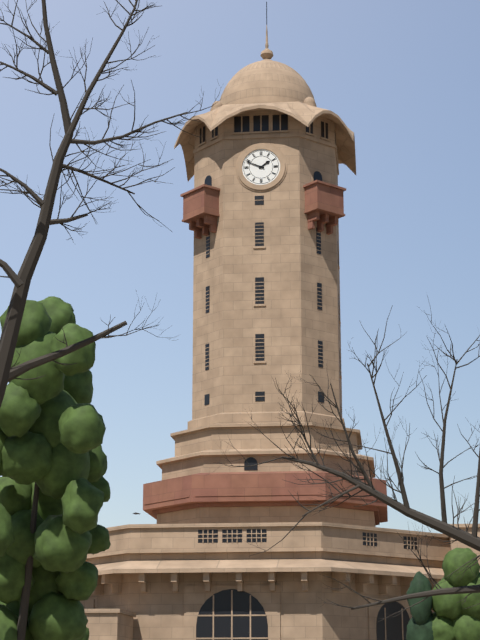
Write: h=1 m=49
